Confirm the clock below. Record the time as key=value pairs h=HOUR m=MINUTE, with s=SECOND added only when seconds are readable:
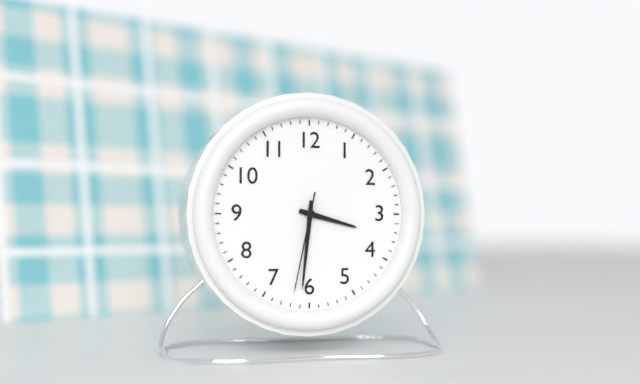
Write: h=3 m=31 s=32
